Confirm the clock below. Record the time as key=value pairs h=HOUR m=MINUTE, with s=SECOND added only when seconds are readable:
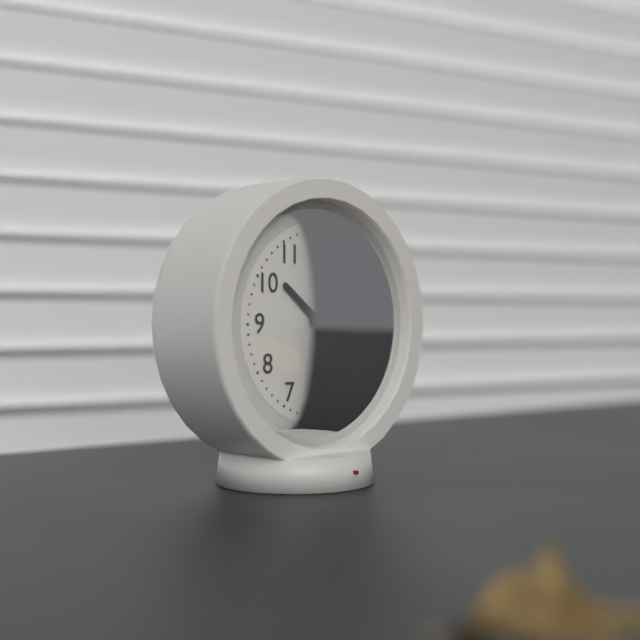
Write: h=10 m=18 s=59
